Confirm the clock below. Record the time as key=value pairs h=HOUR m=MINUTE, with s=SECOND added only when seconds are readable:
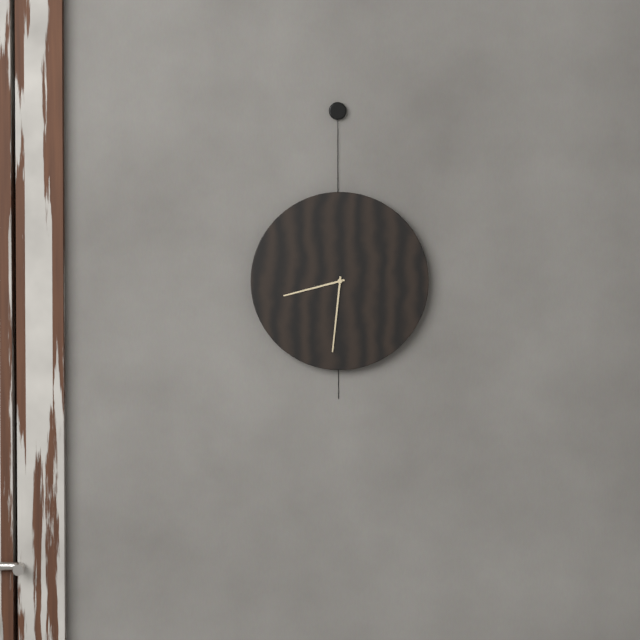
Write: h=8 m=31
